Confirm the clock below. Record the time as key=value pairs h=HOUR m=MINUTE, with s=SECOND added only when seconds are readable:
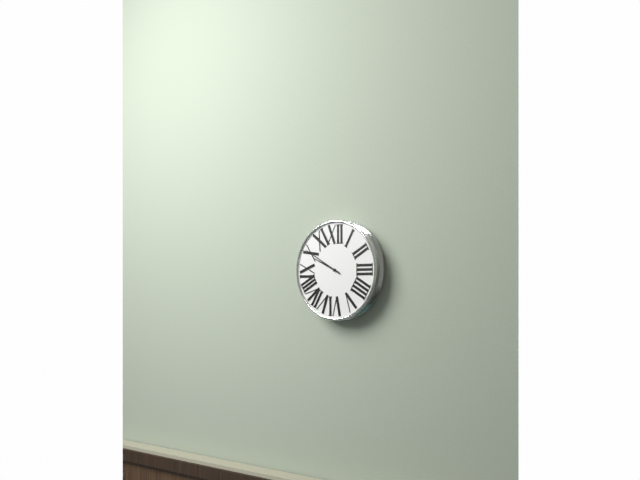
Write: h=9 m=50
